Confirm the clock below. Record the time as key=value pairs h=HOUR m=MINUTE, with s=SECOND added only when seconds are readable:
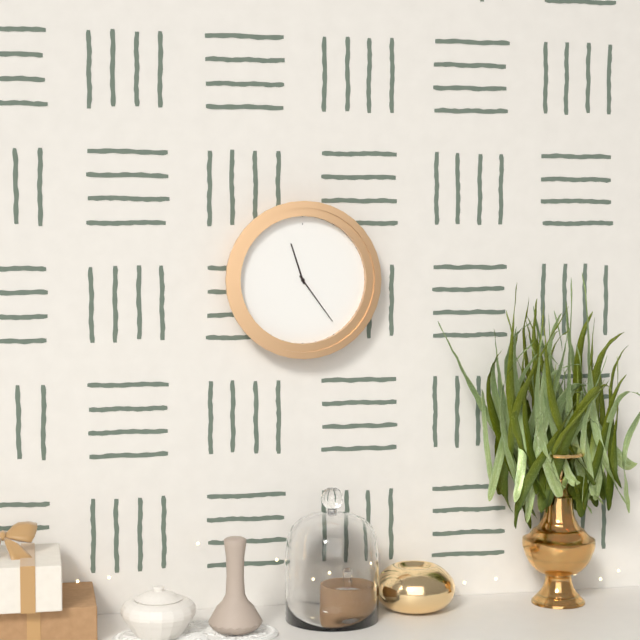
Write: h=11 m=24
